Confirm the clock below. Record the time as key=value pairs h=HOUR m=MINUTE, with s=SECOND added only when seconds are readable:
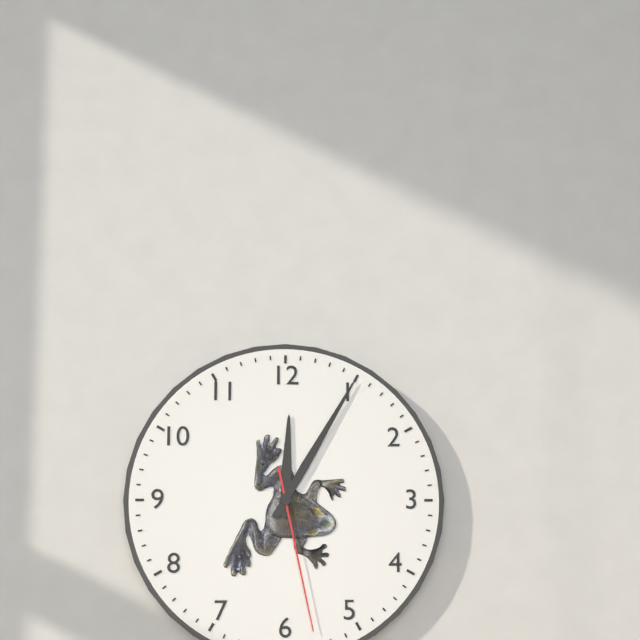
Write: h=12 m=5 s=28
